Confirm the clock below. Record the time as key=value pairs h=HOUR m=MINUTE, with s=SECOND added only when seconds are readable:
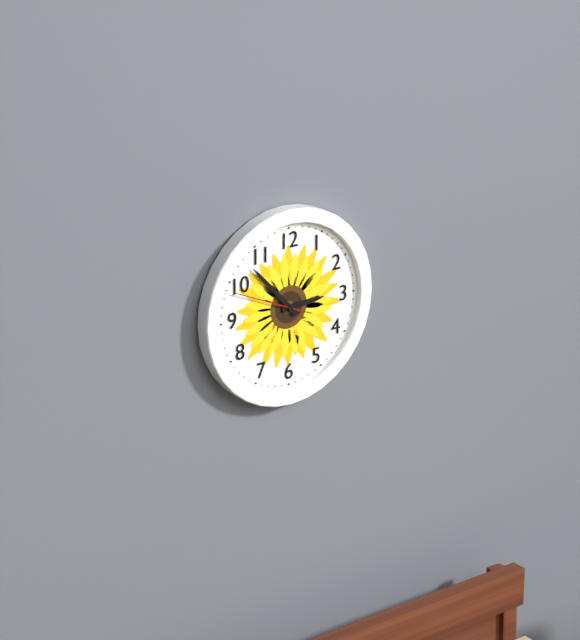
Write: h=2 m=53 s=49
